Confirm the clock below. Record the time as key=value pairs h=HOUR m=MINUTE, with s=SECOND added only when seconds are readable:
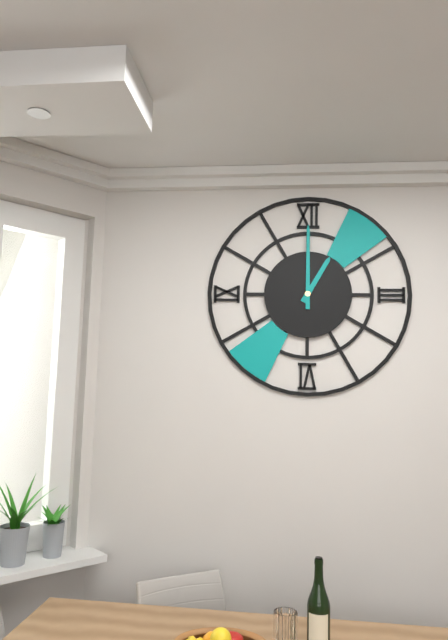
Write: h=1 m=0
